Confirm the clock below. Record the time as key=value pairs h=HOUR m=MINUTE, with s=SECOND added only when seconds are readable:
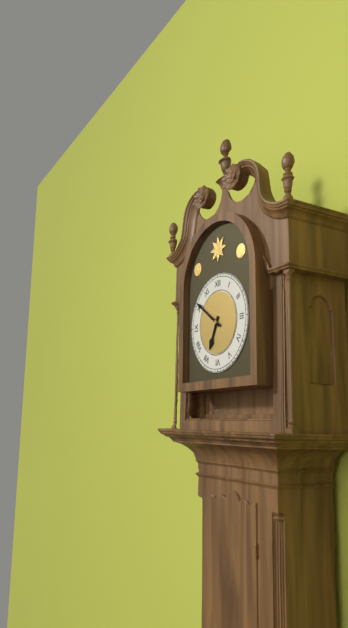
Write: h=6 m=51
